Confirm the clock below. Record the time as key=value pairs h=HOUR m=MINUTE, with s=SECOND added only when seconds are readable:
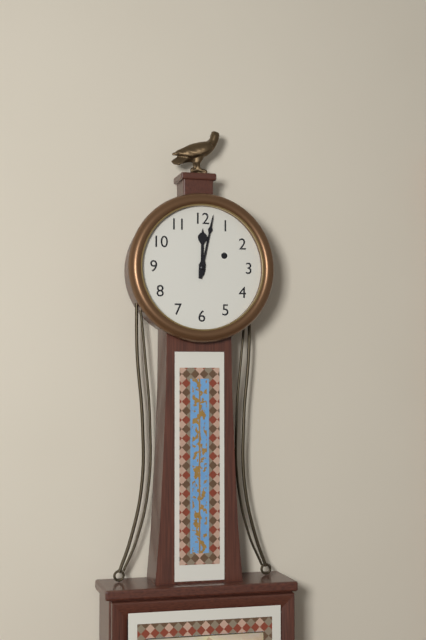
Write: h=12 m=2
